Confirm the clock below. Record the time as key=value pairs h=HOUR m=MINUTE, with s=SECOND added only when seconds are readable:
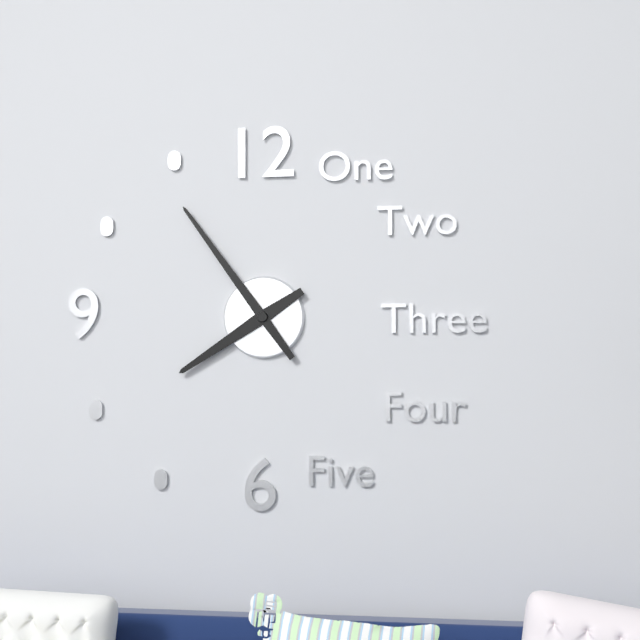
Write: h=7 m=54
